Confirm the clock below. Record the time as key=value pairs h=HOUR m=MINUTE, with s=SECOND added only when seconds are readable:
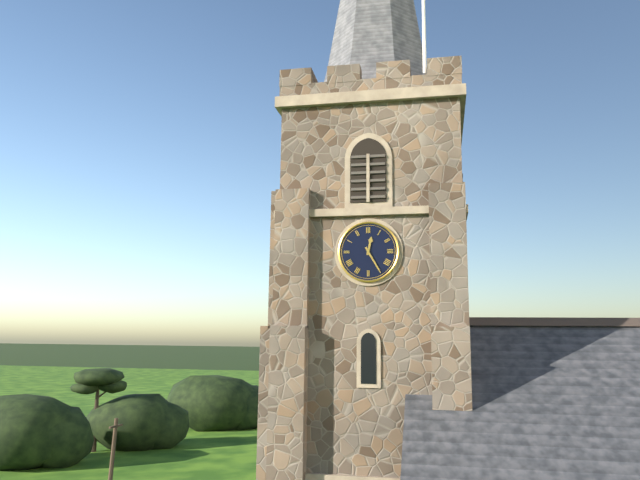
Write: h=12 m=25
